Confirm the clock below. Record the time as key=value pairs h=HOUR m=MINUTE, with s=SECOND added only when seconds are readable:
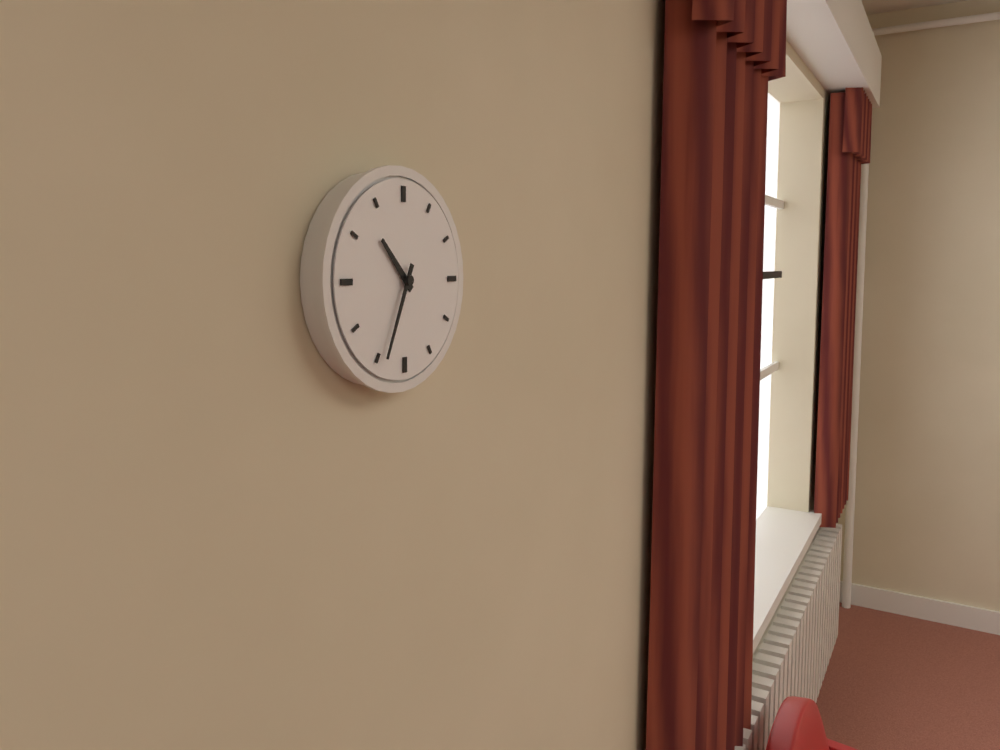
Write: h=10 m=34
